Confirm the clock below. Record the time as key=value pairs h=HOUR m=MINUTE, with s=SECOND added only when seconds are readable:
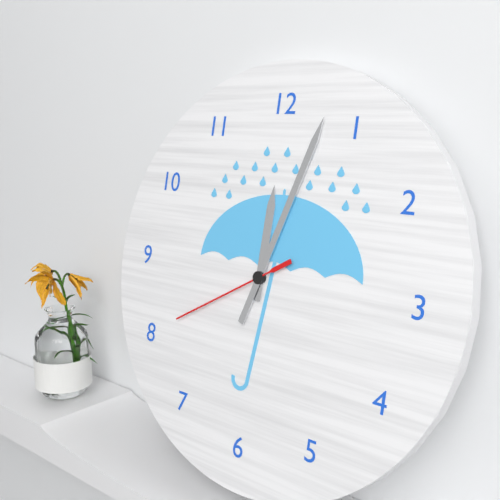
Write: h=12 m=3 s=40
